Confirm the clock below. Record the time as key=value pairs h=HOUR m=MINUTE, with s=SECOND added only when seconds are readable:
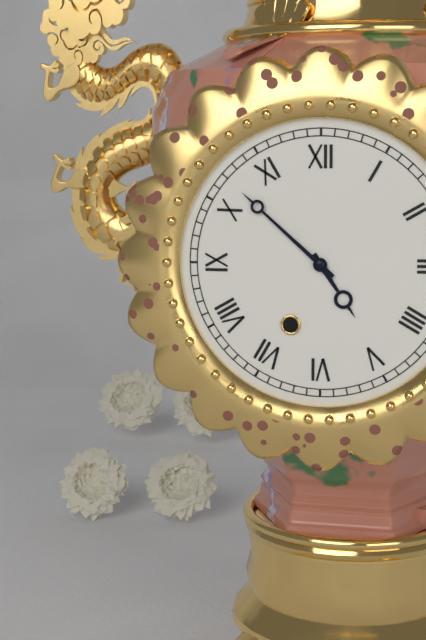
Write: h=4 m=52
